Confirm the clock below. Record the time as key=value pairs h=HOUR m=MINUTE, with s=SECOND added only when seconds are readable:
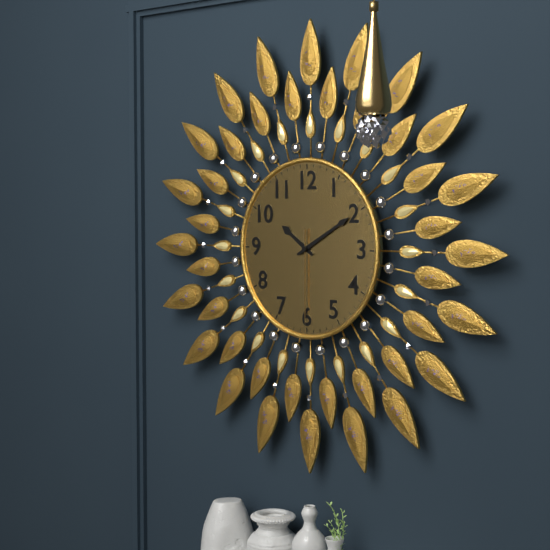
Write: h=10 m=10 s=30
